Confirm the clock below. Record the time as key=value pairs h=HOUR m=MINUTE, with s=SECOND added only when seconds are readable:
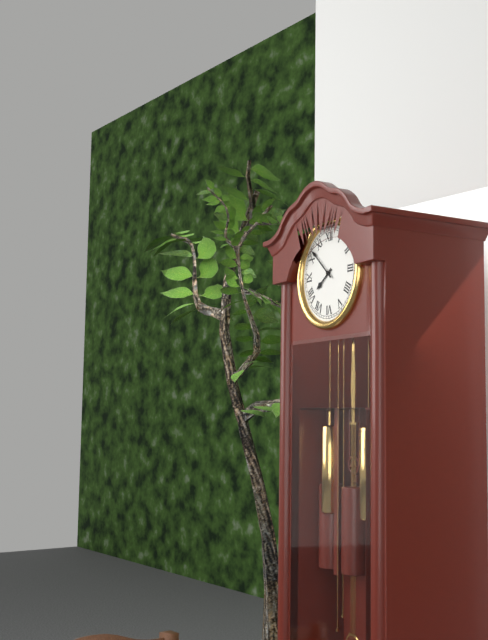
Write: h=7 m=52
